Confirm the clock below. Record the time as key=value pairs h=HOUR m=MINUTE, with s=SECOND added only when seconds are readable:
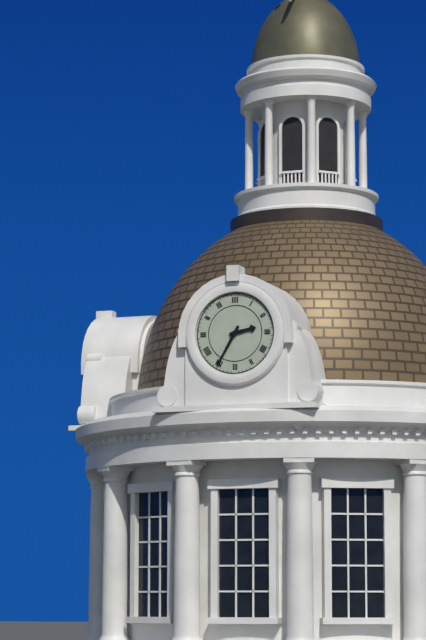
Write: h=2 m=35
